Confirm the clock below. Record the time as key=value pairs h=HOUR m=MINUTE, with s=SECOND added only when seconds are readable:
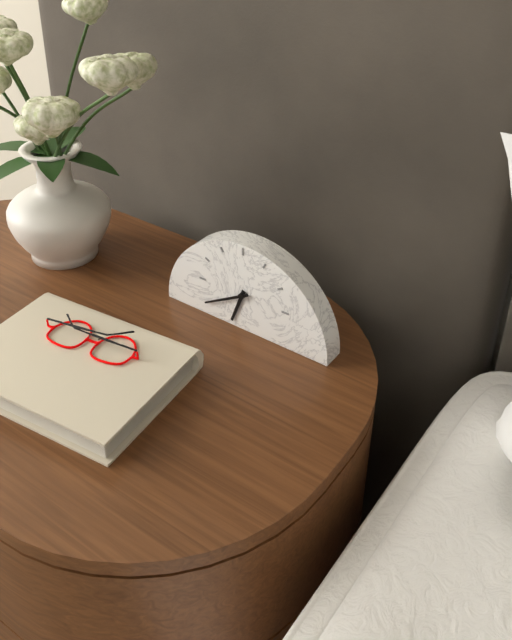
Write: h=6 m=40
